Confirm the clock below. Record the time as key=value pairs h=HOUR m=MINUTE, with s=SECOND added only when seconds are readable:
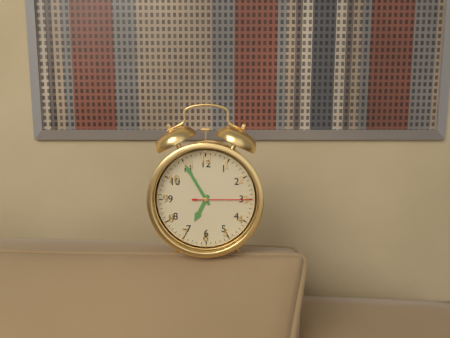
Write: h=6 m=55 s=15
